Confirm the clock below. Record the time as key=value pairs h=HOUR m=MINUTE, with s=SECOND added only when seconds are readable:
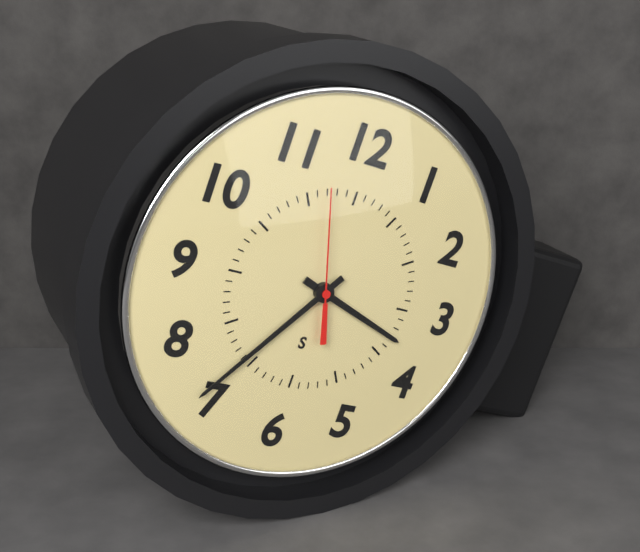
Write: h=3 m=36 s=57
